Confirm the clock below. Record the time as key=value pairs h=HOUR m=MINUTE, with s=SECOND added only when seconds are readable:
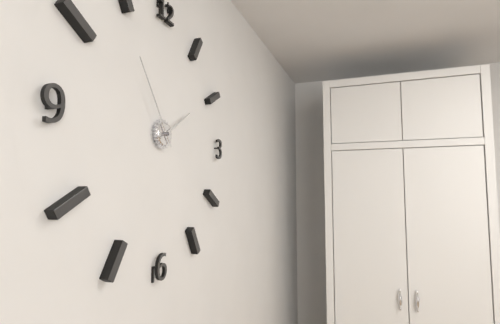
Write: h=1 m=54
